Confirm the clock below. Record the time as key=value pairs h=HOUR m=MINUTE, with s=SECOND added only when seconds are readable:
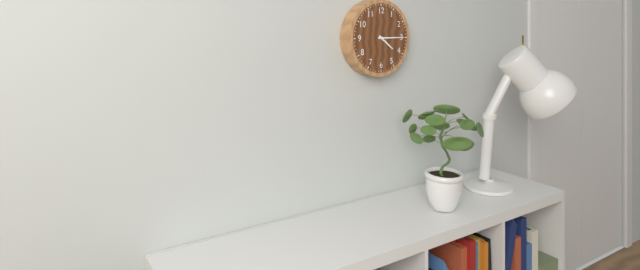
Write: h=4 m=15
